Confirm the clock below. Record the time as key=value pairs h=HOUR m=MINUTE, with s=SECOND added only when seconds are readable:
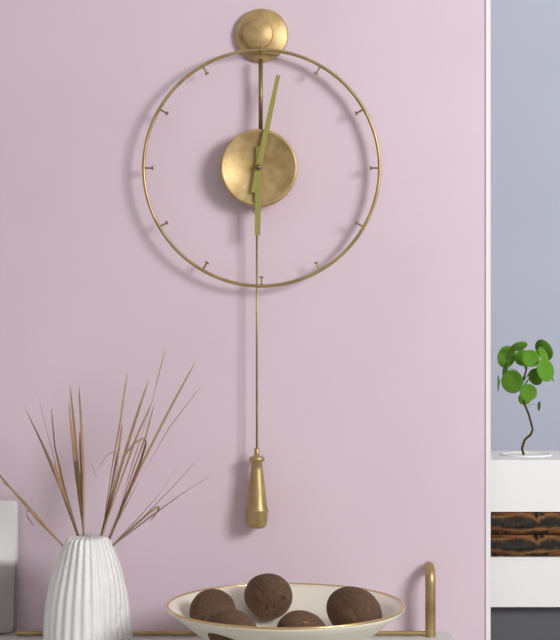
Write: h=6 m=2
